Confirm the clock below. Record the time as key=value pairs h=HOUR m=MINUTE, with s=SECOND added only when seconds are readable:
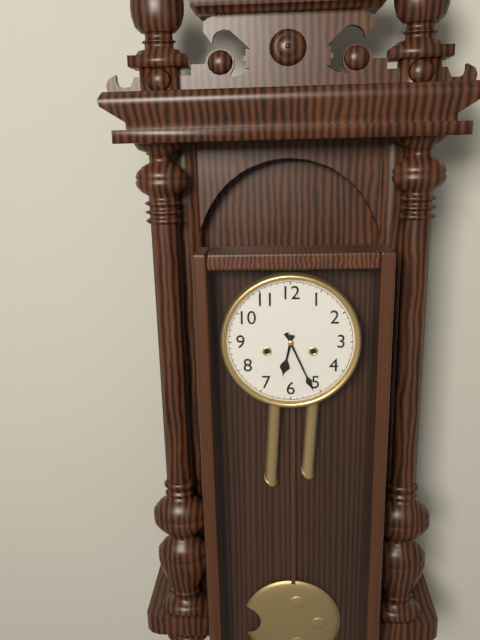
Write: h=6 m=26
